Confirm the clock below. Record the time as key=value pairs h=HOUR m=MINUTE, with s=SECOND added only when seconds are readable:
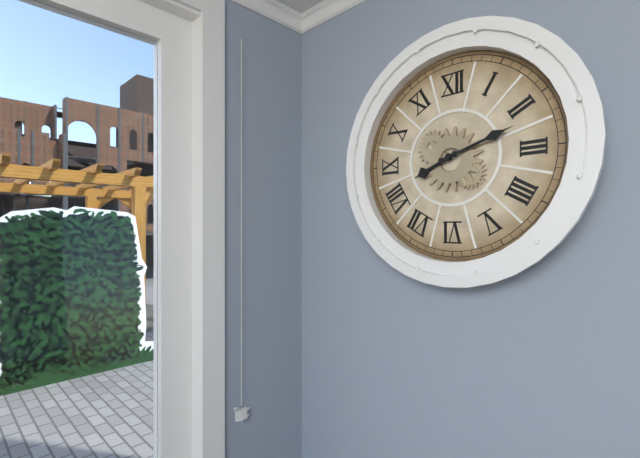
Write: h=8 m=12
